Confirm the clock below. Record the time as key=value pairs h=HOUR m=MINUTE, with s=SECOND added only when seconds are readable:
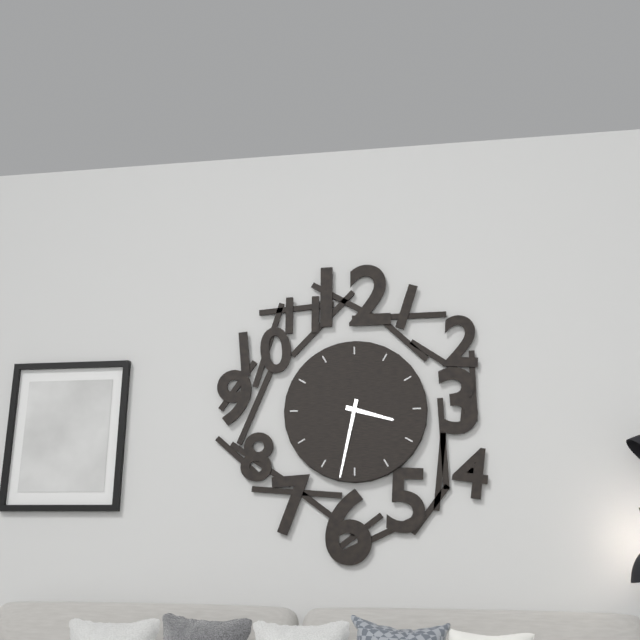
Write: h=3 m=32
